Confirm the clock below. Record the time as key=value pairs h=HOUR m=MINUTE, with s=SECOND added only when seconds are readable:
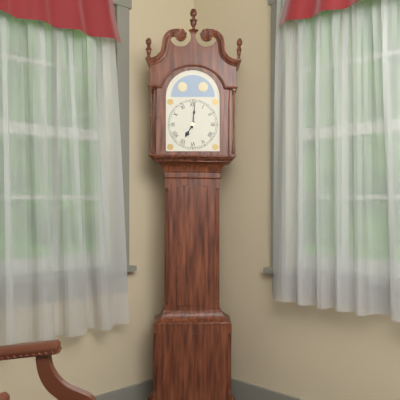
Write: h=7 m=1
